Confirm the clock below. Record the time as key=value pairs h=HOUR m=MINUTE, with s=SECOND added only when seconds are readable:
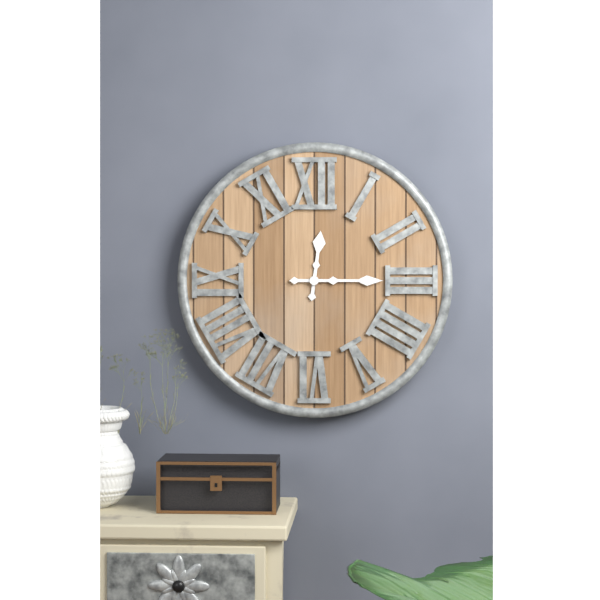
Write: h=12 m=15
